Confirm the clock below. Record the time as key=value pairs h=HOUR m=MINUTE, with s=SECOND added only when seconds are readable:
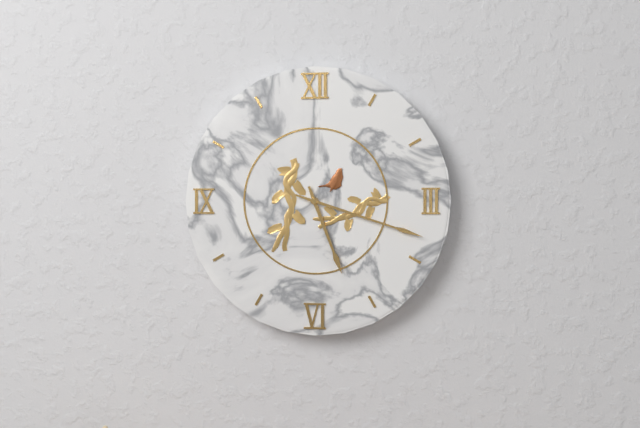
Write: h=5 m=18
